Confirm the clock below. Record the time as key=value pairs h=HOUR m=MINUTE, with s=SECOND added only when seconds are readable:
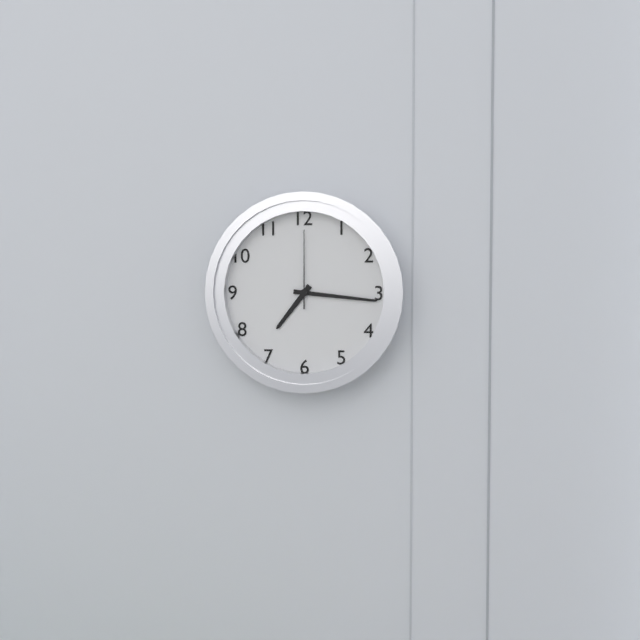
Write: h=7 m=16 s=0
